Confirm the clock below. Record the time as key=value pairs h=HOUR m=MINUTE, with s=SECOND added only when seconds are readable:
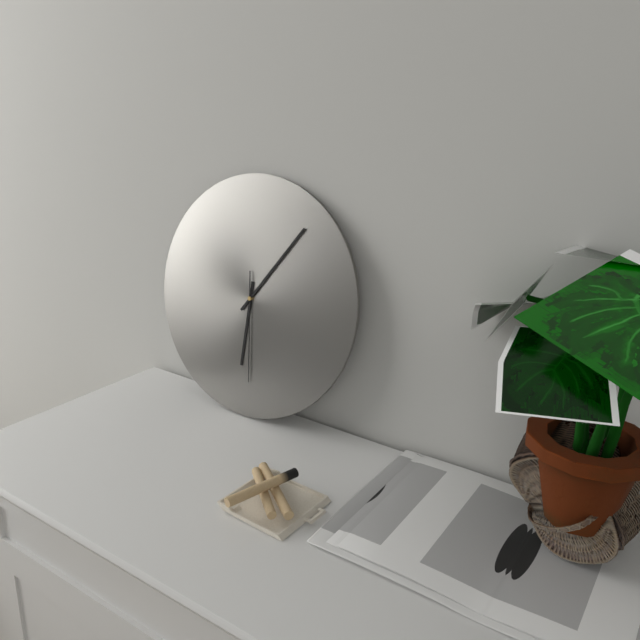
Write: h=6 m=6 s=29
